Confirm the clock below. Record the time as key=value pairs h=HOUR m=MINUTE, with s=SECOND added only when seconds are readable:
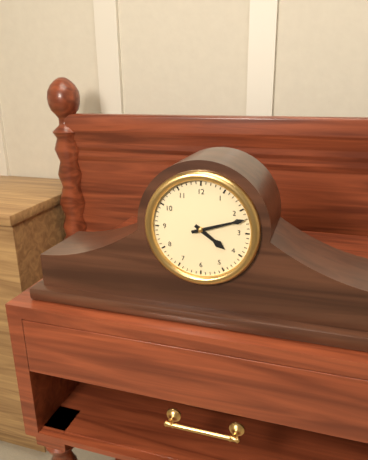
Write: h=4 m=12
